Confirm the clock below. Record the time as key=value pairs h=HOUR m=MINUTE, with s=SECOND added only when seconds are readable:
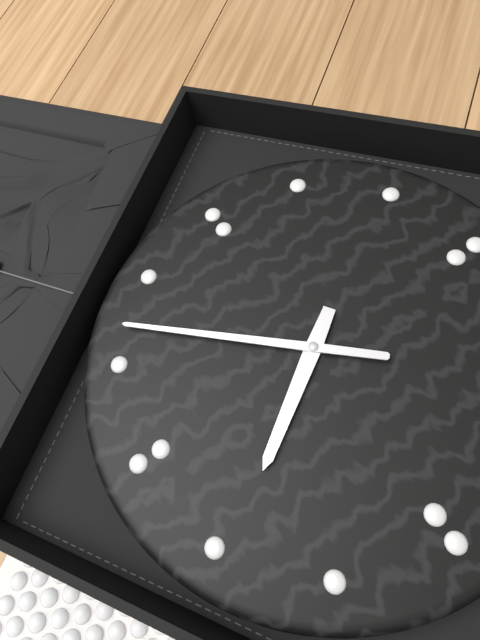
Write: h=7 m=52
